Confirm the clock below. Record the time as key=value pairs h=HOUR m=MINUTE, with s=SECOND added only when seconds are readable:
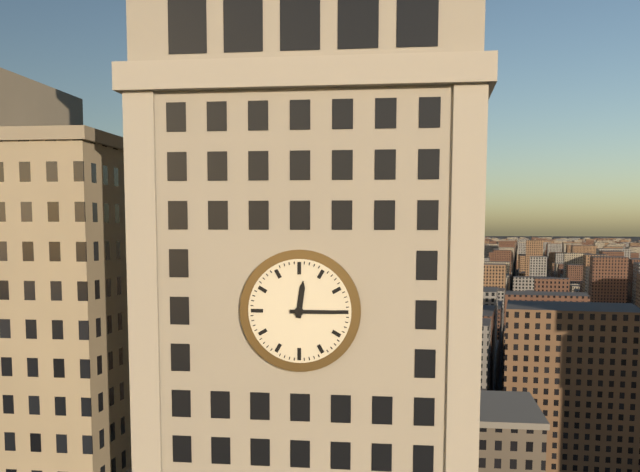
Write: h=12 m=15
